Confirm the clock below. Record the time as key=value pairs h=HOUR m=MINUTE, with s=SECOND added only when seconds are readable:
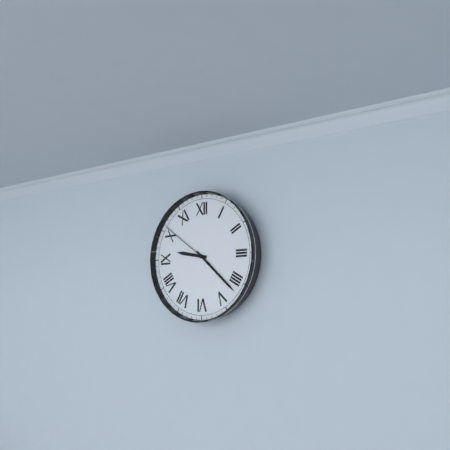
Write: h=9 m=22 s=51
